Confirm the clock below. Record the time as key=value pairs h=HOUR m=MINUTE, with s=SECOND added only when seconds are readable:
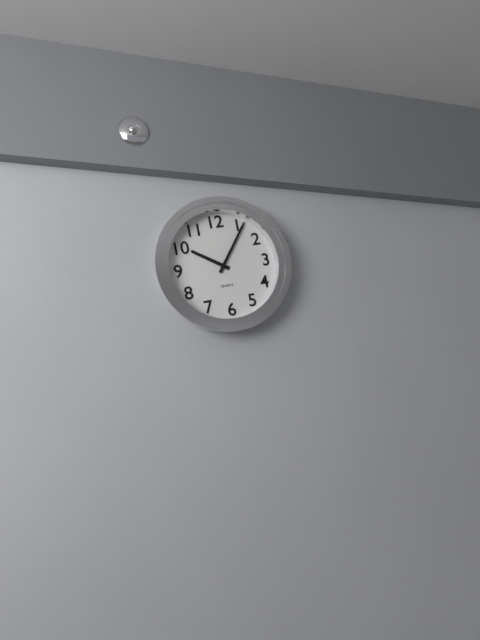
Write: h=10 m=6
